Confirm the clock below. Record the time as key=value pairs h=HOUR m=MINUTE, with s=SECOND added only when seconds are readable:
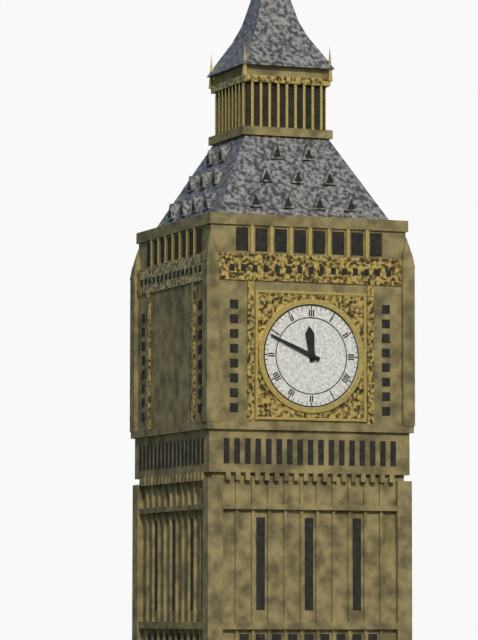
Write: h=11 m=49
